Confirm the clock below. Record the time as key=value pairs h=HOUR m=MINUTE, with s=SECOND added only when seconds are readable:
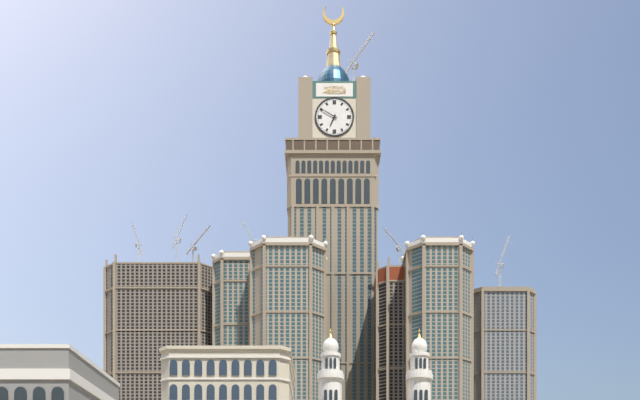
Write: h=6 m=50
